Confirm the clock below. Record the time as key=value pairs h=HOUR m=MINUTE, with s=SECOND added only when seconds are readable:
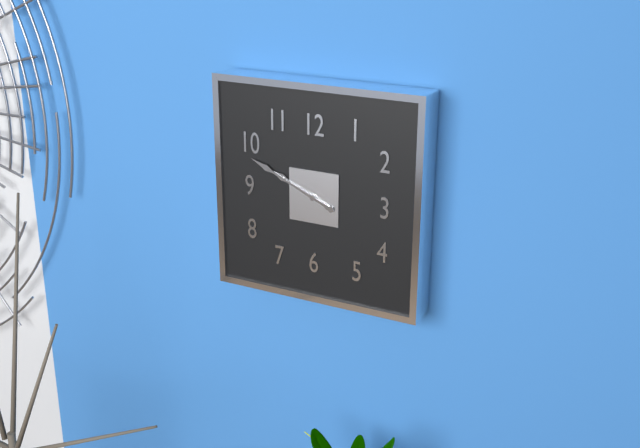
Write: h=9 m=49
